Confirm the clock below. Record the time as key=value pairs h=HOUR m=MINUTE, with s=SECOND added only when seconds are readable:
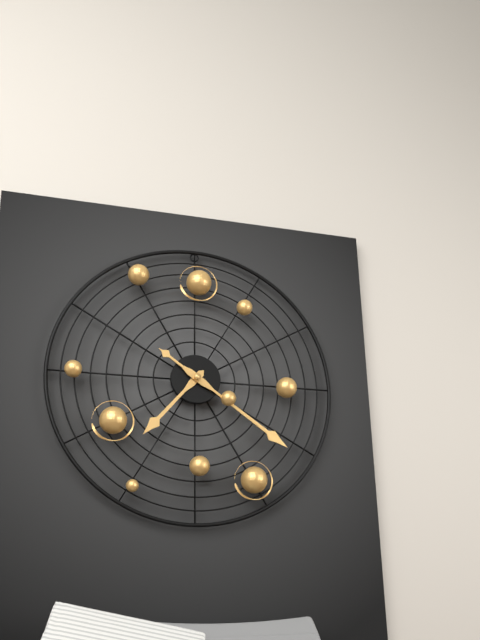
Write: h=7 m=21
